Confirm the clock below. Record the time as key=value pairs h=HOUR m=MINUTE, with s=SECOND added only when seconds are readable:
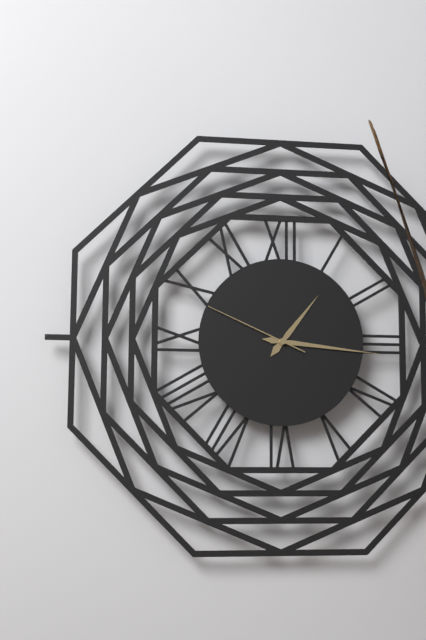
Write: h=1 m=16 s=49
